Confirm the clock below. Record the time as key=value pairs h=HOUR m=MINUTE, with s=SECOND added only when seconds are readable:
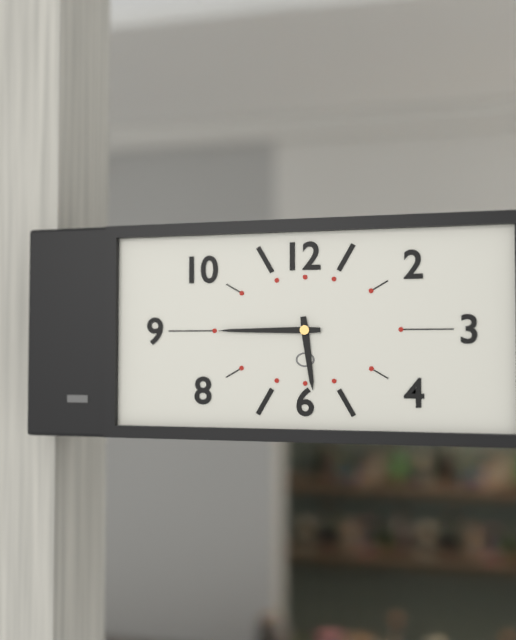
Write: h=5 m=45
